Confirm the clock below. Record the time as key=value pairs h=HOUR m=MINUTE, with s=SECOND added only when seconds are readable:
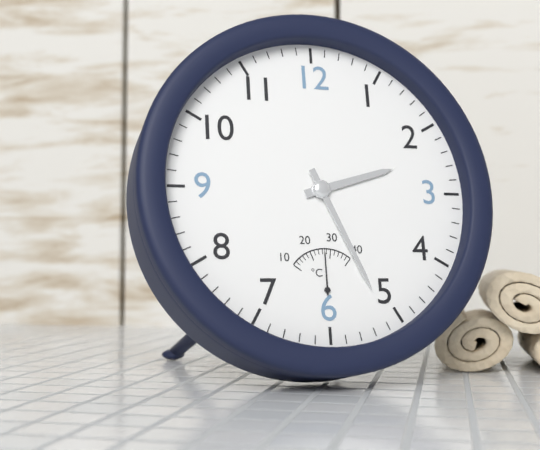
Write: h=2 m=26
